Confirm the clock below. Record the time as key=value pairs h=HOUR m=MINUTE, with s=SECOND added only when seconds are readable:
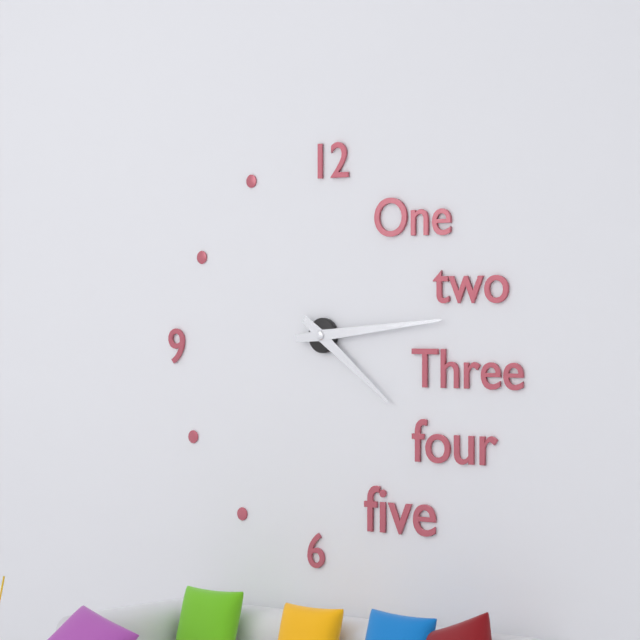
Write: h=4 m=14
